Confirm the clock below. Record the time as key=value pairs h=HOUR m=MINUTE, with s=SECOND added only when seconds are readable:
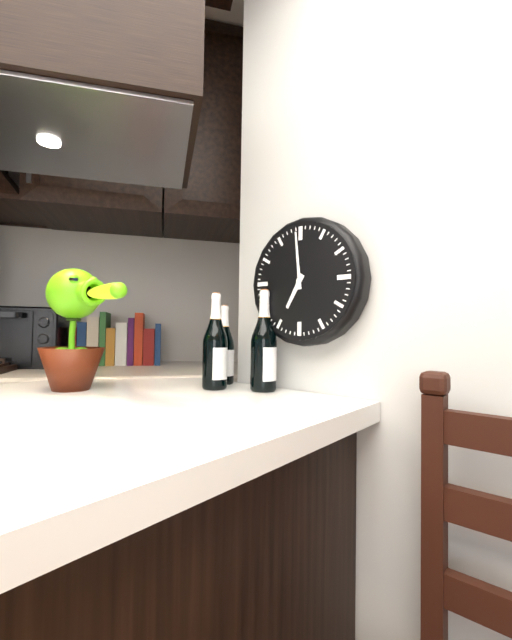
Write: h=6 m=59
